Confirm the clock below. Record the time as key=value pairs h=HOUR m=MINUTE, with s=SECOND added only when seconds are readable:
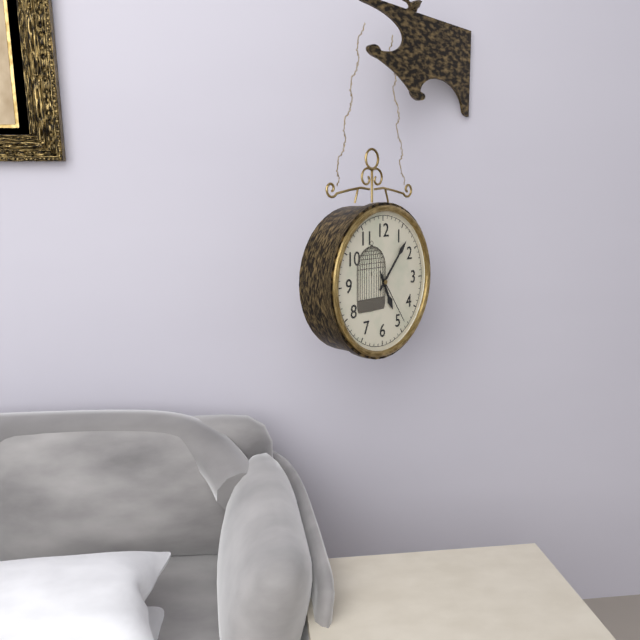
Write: h=5 m=7 s=24
